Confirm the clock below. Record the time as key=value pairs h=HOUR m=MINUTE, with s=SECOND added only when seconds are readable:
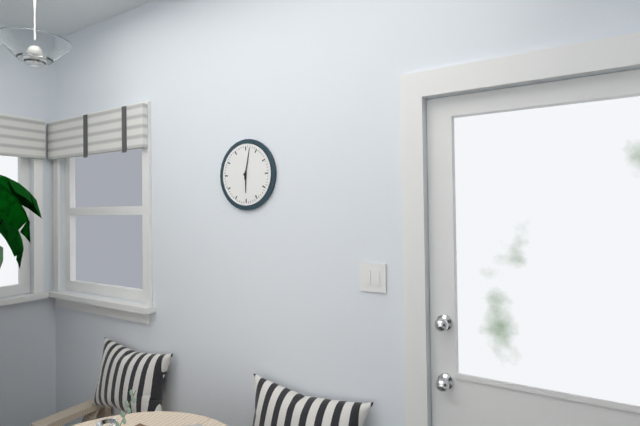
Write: h=6 m=2
